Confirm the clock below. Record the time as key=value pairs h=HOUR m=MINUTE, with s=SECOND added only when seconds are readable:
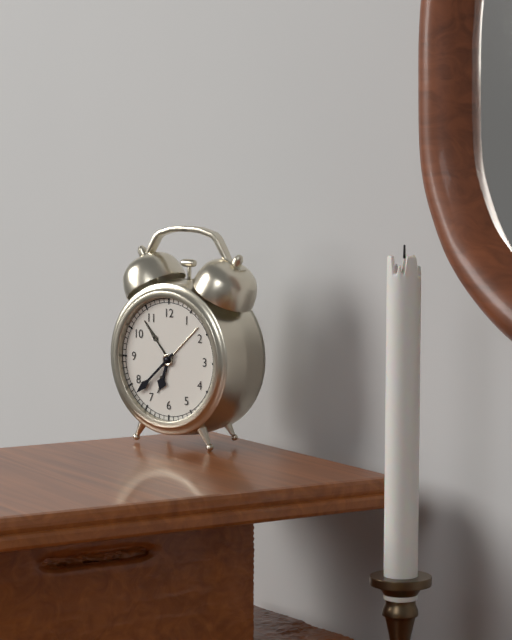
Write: h=6 m=38
